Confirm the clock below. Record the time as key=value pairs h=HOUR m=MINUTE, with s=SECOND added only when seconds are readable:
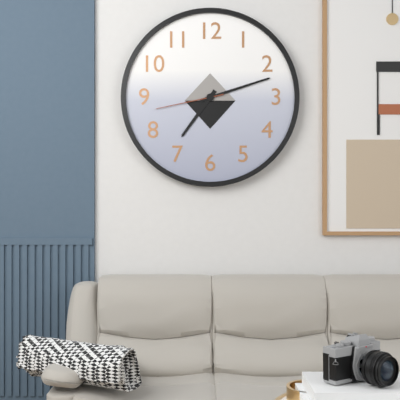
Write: h=7 m=12 s=43
